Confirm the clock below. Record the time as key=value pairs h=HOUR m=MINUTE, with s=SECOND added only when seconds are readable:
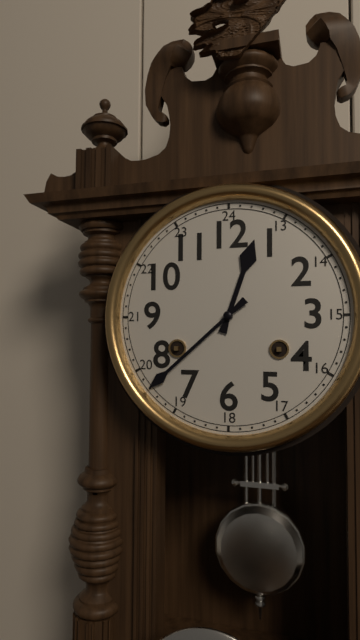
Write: h=12 m=38
